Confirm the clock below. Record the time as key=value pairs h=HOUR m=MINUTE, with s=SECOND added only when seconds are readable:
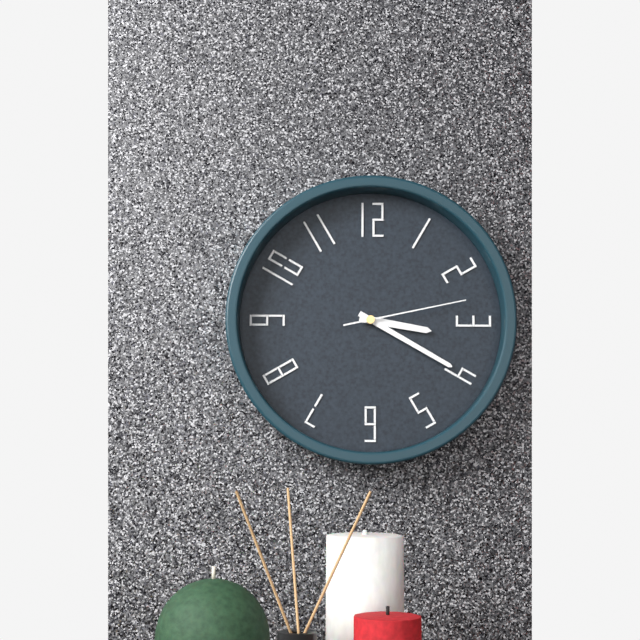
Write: h=3 m=20 s=13
